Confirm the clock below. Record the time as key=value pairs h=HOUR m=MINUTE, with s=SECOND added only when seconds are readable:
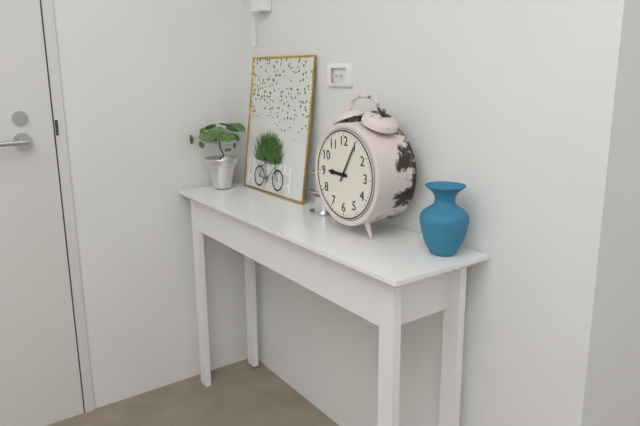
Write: h=9 m=5
